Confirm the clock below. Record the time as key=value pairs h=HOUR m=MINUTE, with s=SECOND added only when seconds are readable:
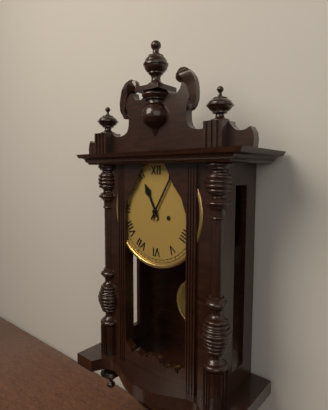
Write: h=11 m=5
